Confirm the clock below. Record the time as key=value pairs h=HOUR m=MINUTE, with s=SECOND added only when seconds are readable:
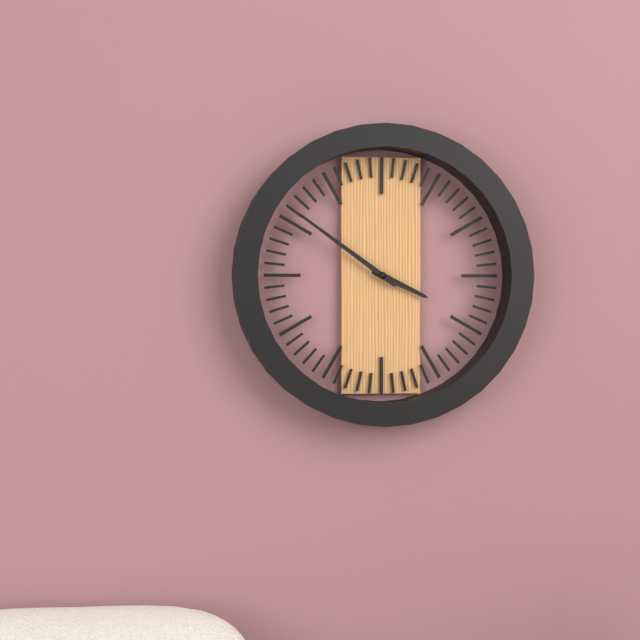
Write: h=3 m=51
